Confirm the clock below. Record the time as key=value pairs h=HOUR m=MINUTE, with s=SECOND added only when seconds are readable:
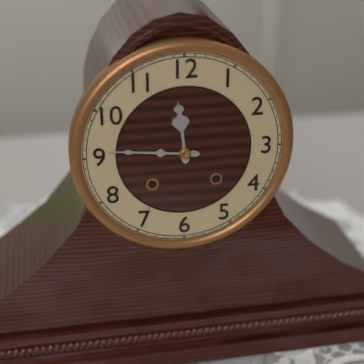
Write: h=11 m=46
